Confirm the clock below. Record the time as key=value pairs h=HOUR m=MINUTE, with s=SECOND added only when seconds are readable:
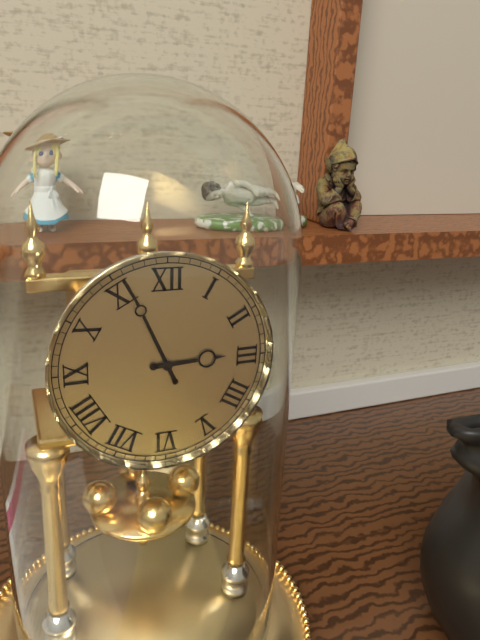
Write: h=2 m=56
